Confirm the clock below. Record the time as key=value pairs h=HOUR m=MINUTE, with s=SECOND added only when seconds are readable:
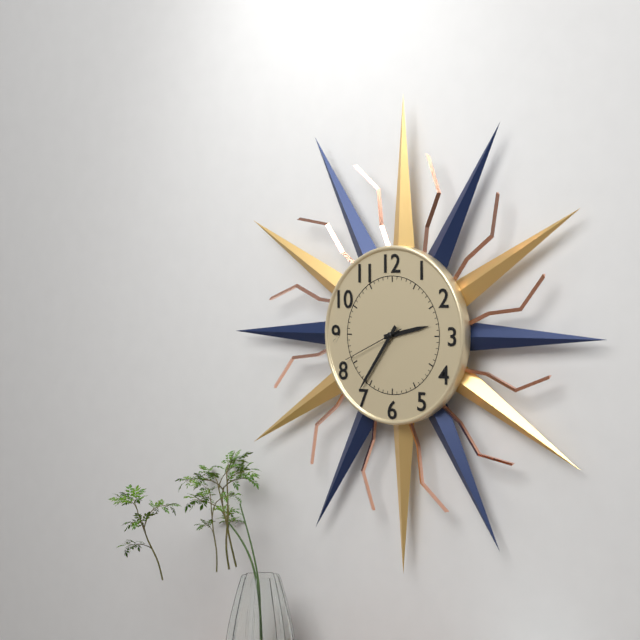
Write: h=2 m=36 s=41
